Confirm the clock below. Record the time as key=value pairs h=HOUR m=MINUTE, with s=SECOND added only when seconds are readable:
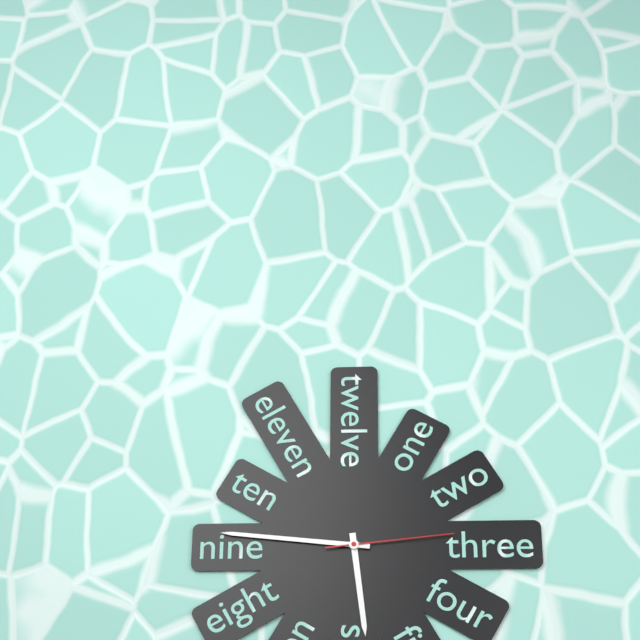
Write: h=5 m=46 s=14
